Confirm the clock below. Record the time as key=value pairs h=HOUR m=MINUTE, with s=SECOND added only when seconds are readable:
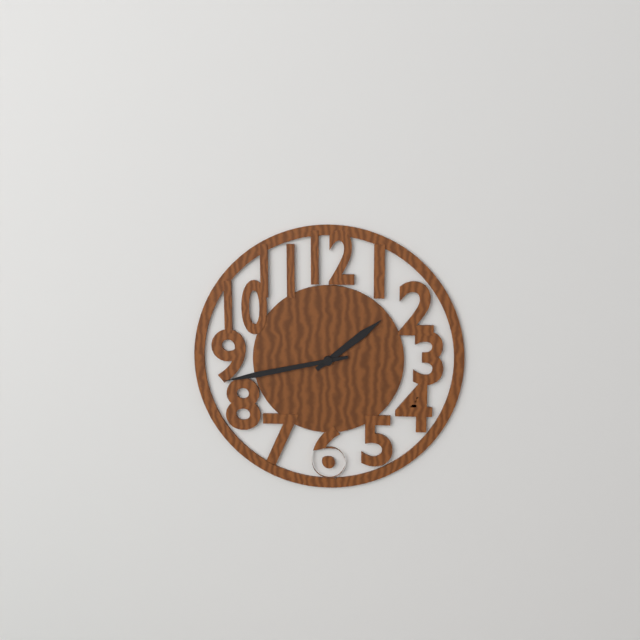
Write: h=1 m=43
